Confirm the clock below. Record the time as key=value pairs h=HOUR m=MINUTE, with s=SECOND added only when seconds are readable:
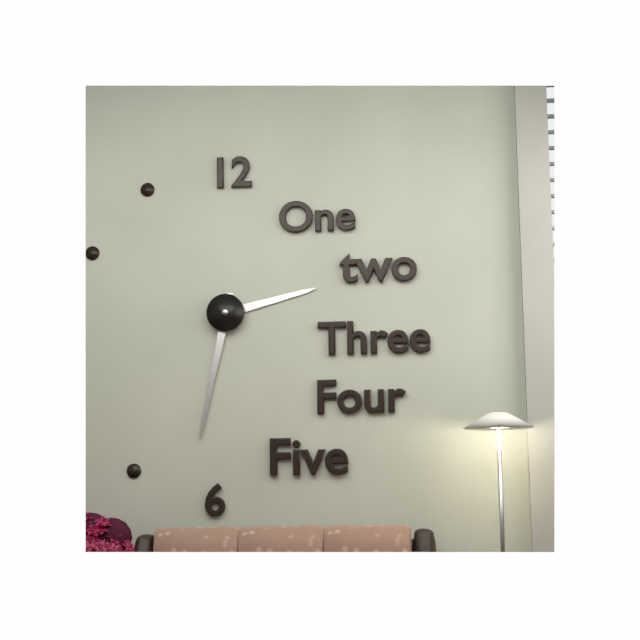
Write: h=2 m=32
